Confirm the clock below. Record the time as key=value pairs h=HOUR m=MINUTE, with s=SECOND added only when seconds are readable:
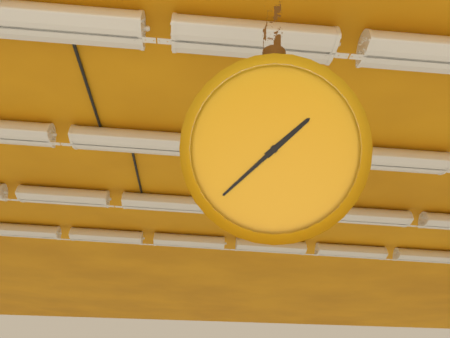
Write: h=1 m=38
